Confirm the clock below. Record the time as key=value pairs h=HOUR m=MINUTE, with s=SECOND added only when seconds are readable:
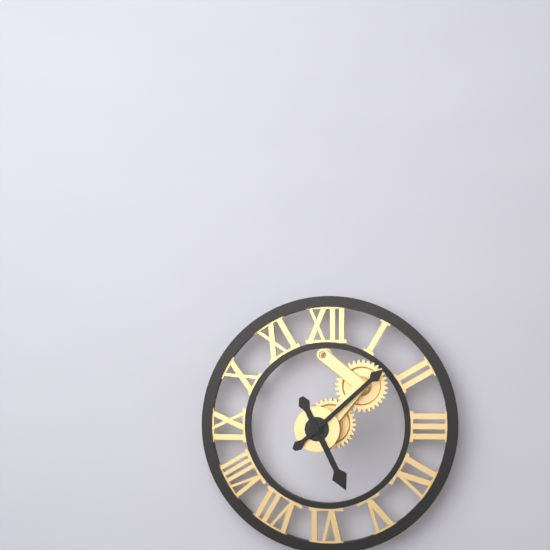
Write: h=5 m=8
